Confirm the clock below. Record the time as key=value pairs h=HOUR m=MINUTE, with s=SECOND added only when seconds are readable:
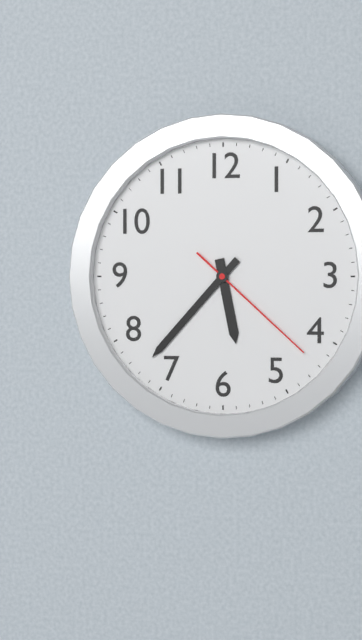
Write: h=5 m=37 s=22
